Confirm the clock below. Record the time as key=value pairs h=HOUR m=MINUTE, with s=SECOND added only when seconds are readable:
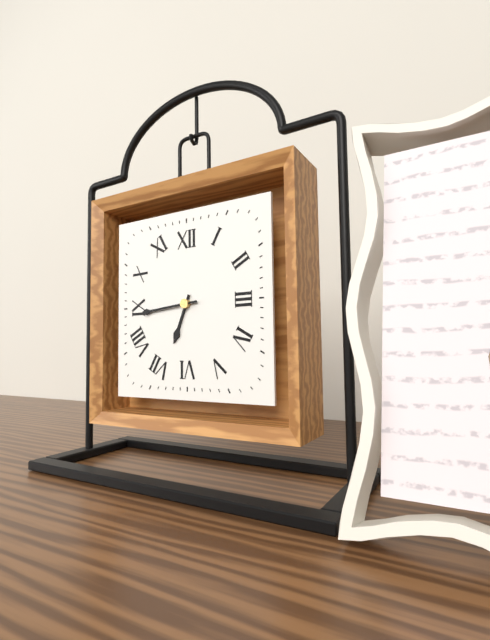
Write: h=6 m=44
